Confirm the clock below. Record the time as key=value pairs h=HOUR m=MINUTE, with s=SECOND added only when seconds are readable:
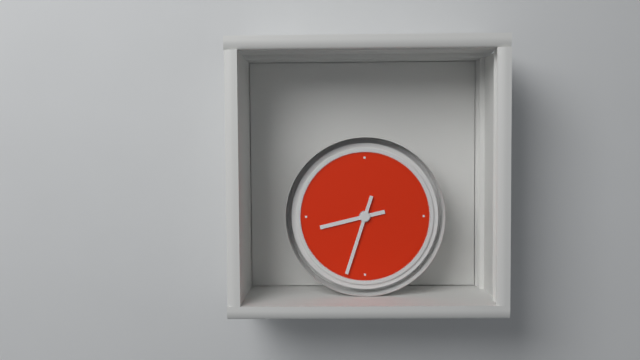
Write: h=8 m=33
